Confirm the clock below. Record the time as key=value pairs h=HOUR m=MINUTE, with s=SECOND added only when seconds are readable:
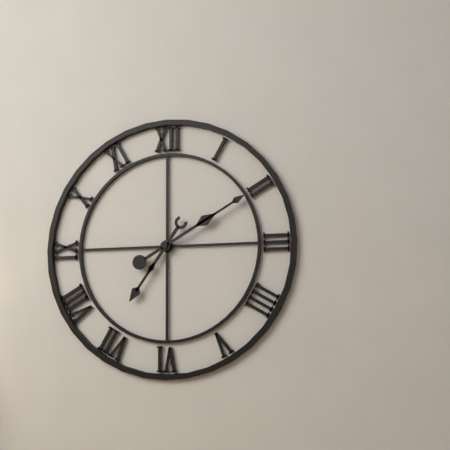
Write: h=7 m=10
